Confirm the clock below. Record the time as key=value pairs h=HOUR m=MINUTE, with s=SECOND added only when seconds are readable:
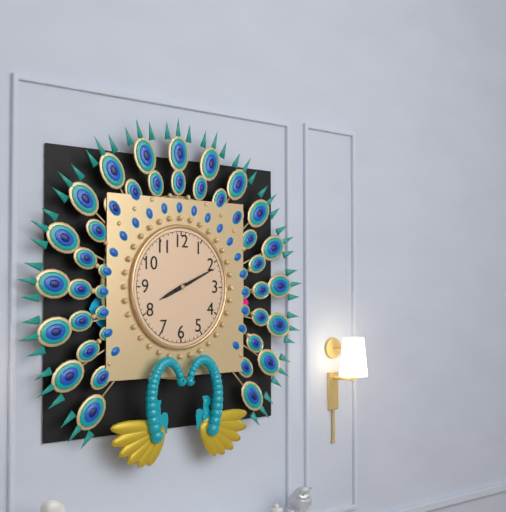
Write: h=8 m=11
